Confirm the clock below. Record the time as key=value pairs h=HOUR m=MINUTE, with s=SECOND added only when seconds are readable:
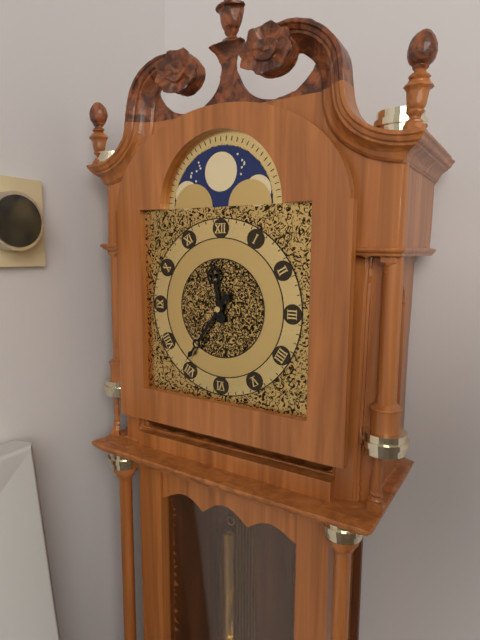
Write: h=11 m=36
